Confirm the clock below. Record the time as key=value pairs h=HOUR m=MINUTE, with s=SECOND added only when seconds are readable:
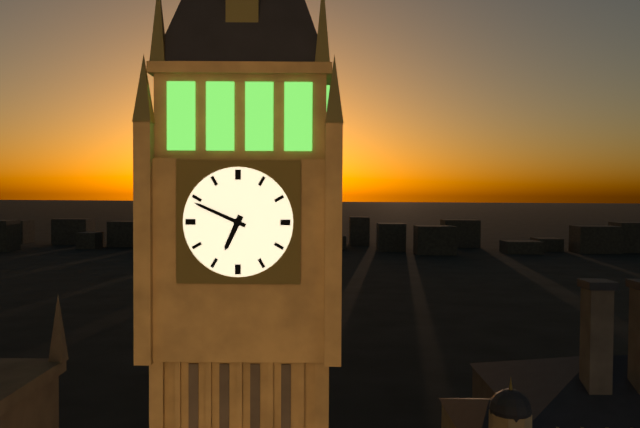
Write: h=6 m=49
